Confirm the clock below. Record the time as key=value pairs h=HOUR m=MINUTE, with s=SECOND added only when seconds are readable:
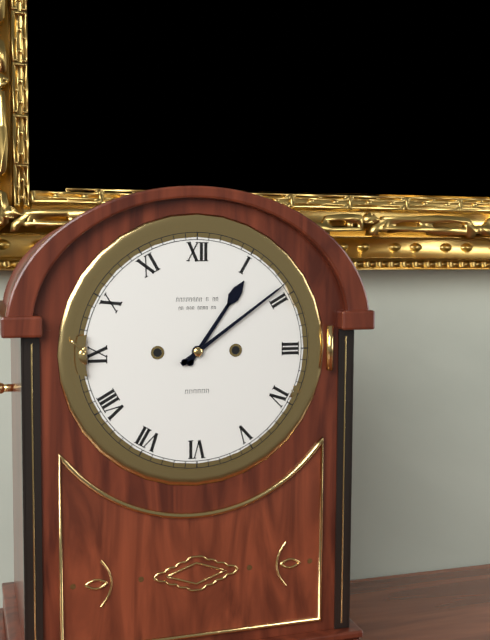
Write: h=1 m=9
